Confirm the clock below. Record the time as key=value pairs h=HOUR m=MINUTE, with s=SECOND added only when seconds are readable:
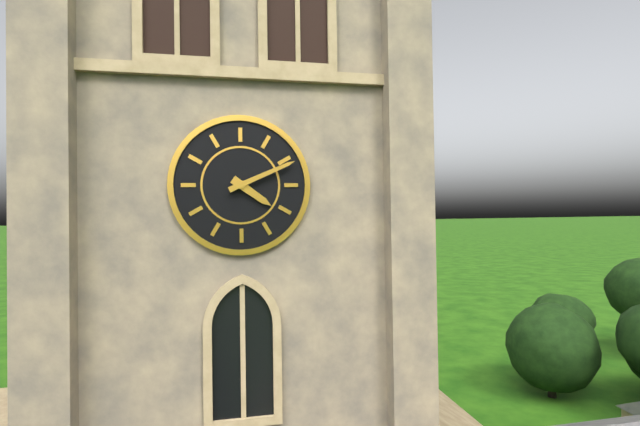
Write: h=4 m=11
